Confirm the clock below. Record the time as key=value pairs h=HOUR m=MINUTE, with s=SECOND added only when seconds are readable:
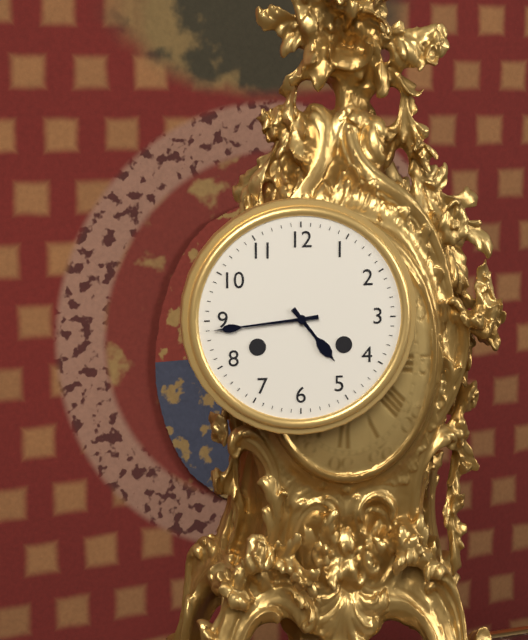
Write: h=4 m=44
